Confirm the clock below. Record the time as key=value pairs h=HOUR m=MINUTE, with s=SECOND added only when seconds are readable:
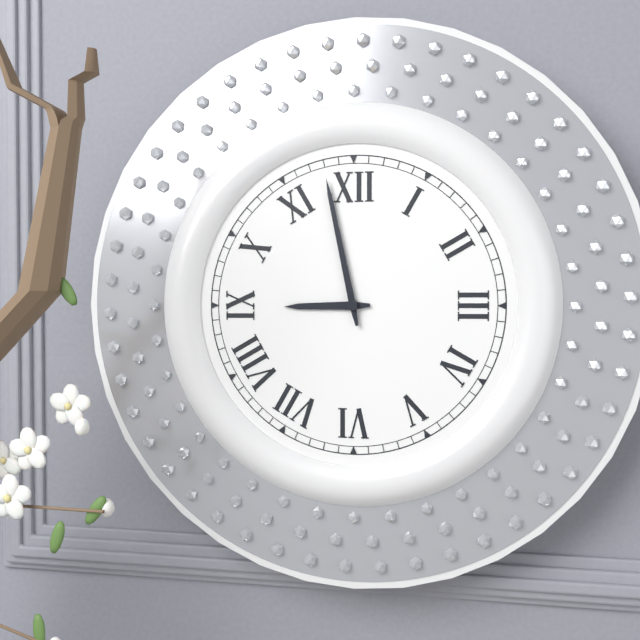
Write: h=8 m=58
